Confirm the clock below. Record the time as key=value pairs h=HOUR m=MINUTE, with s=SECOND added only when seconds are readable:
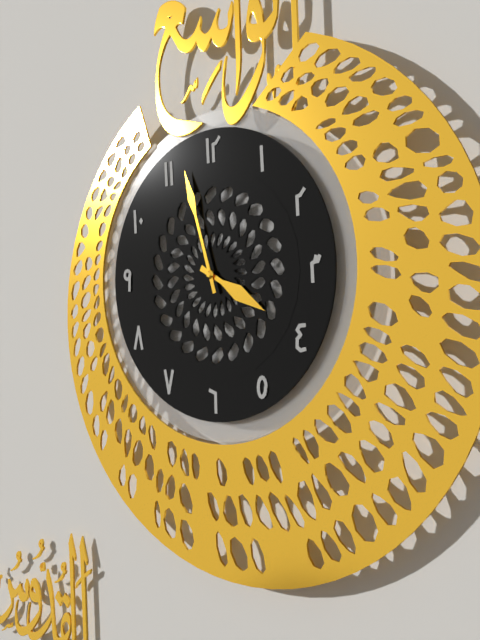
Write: h=3 m=57
